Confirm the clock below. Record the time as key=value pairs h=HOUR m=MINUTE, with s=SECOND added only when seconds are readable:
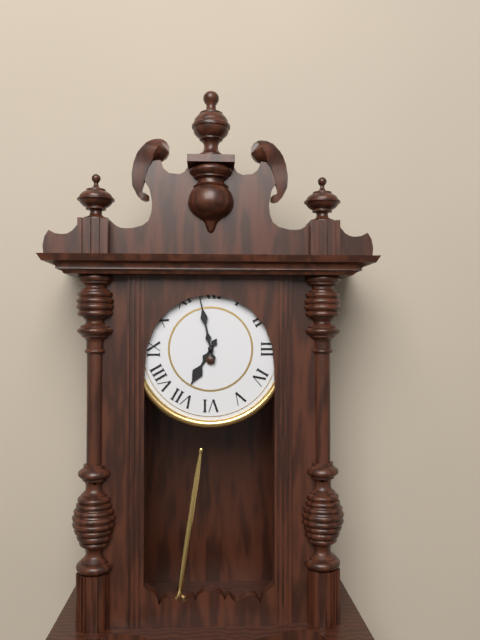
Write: h=6 m=58
